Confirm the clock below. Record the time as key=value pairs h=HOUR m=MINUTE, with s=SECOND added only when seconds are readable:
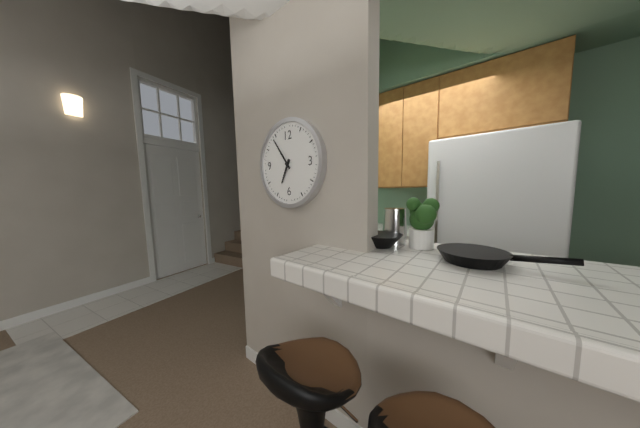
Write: h=6 m=54
